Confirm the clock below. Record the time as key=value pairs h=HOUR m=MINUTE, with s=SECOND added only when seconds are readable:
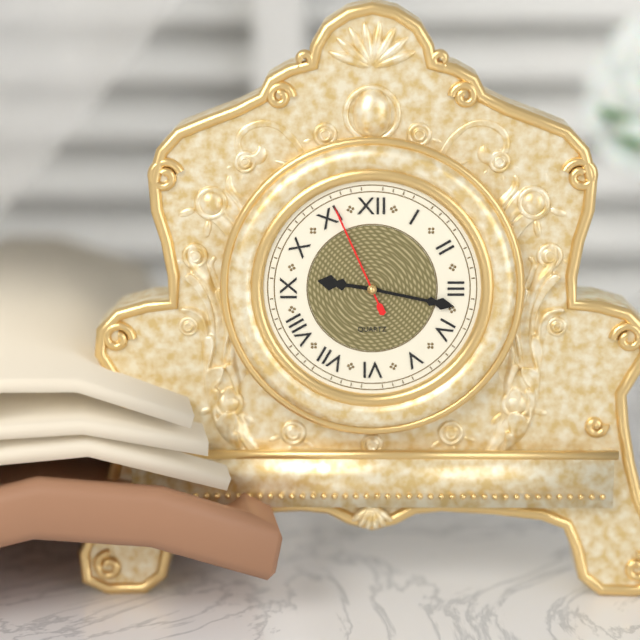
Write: h=9 m=17 s=56
